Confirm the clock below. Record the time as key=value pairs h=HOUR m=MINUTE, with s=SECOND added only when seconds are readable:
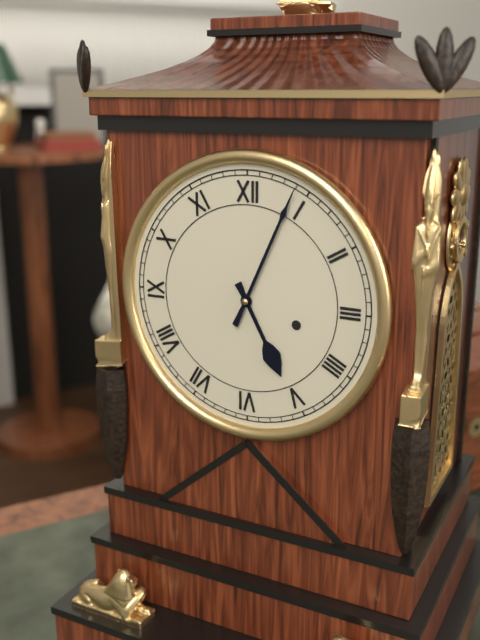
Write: h=5 m=4
